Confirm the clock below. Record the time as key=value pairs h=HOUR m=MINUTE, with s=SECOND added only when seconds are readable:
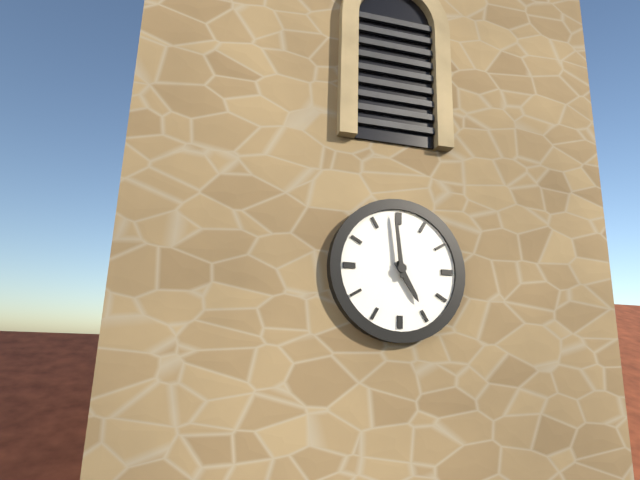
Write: h=4 m=59
